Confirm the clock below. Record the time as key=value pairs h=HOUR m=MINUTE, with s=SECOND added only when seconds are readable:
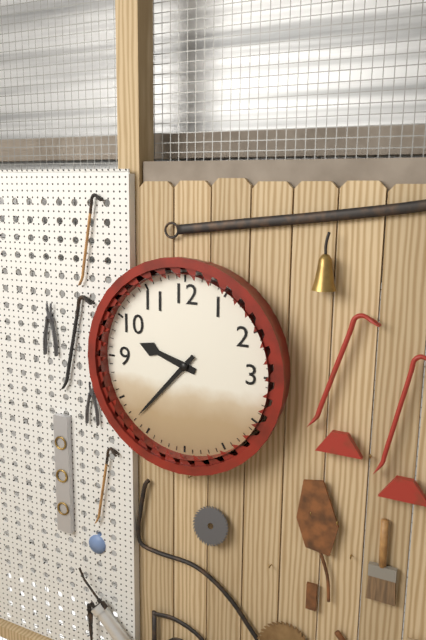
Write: h=9 m=37
